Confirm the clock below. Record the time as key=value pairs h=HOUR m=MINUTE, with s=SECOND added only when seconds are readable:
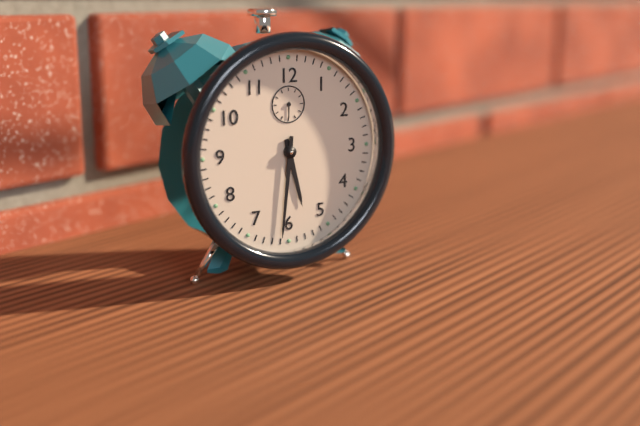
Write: h=5 m=31
